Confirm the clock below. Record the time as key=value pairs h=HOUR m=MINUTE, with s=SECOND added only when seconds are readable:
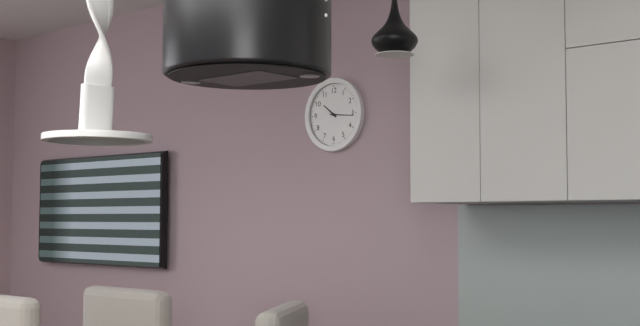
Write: h=10 m=16
